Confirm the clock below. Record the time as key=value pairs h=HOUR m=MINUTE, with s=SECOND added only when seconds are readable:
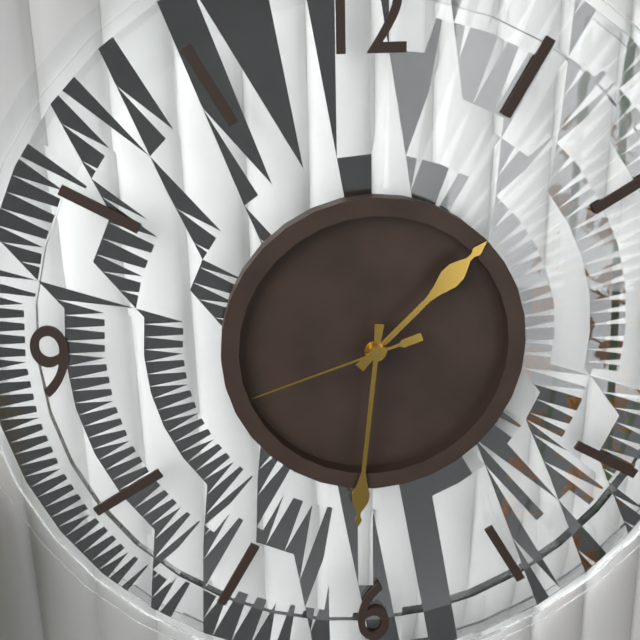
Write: h=1 m=31 s=42
